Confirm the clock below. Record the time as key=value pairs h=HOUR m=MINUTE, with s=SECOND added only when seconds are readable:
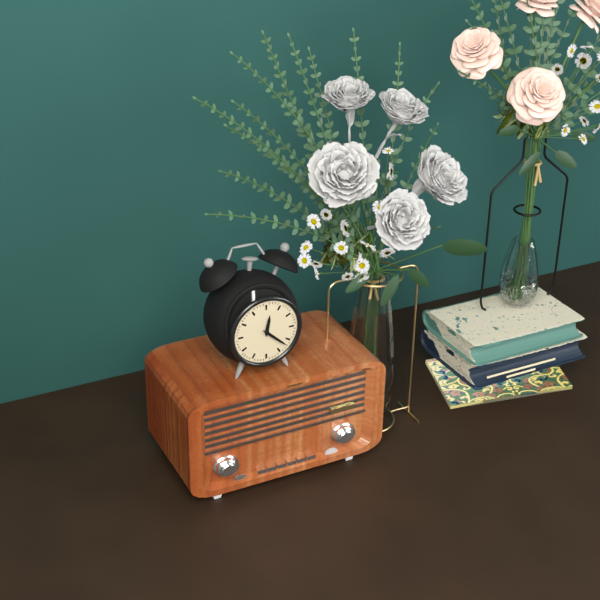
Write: h=12 m=22
